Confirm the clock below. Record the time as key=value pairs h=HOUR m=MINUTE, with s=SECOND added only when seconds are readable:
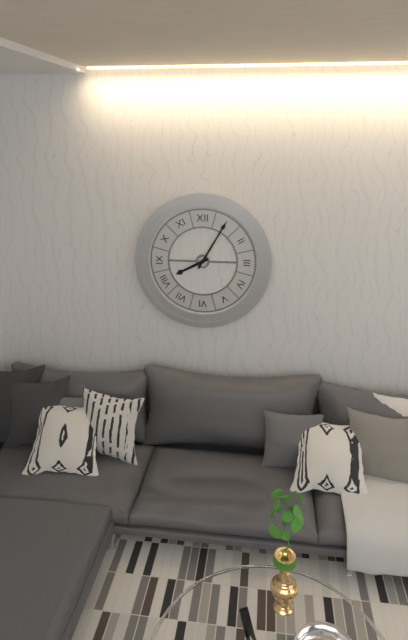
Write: h=8 m=5
